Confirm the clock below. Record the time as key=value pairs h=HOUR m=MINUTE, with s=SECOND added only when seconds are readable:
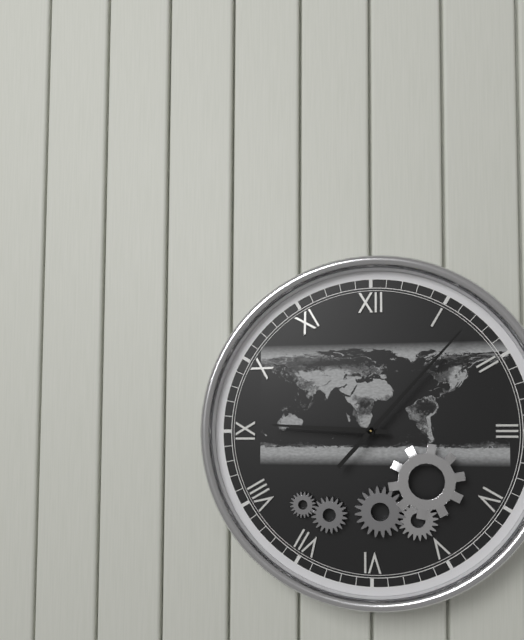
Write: h=9 m=7
